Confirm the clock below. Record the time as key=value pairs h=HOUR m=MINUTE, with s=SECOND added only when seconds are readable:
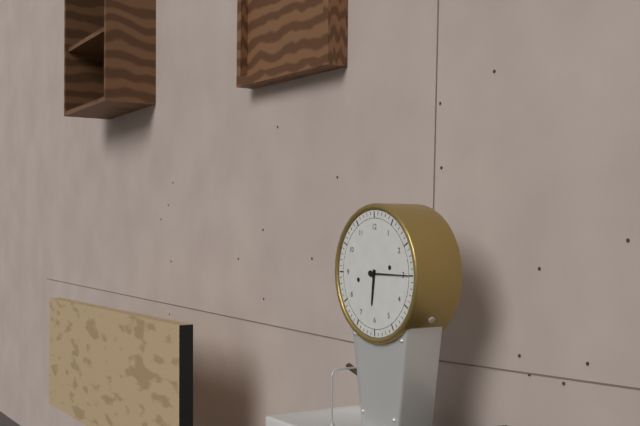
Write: h=6 m=15
